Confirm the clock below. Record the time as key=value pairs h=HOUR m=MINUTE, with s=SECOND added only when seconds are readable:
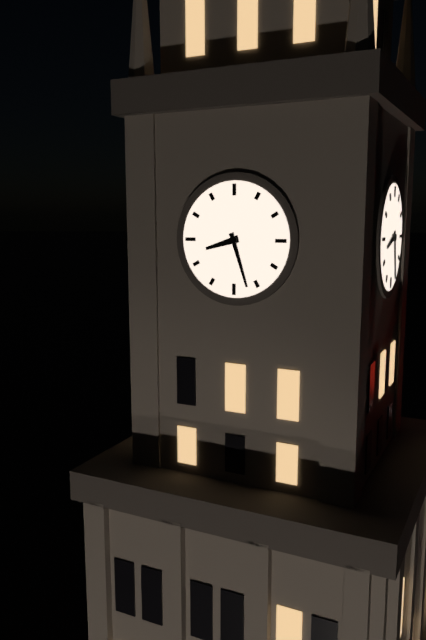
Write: h=8 m=27
